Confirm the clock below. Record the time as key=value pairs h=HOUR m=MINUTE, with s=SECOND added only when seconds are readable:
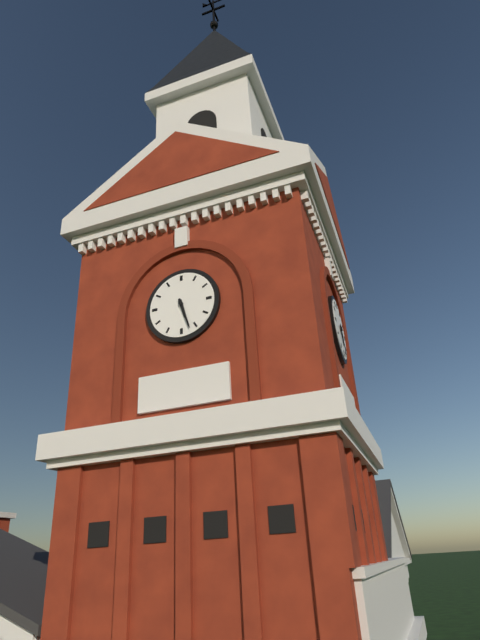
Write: h=5 m=27
